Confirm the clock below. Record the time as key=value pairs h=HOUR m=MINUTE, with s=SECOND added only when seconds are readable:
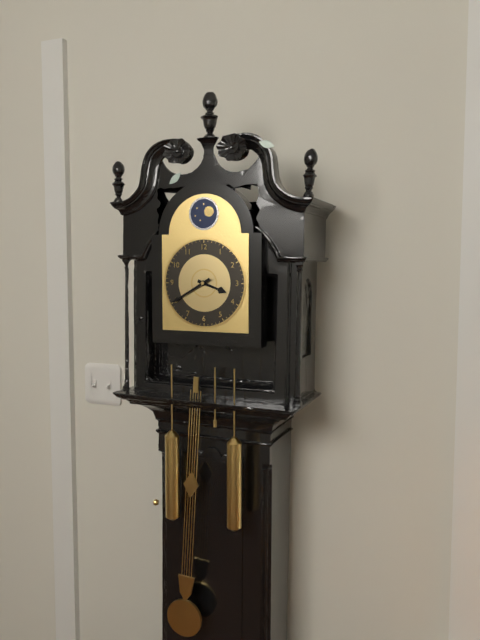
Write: h=3 m=40
